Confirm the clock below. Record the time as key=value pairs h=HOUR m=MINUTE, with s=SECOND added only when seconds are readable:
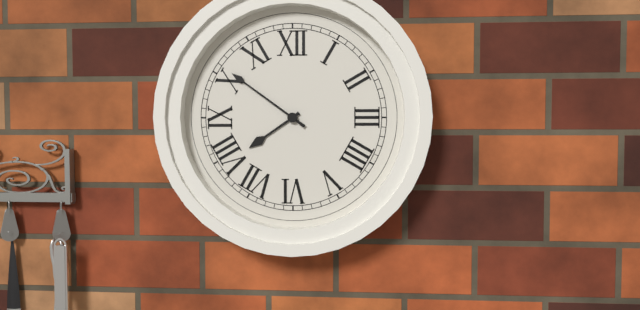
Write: h=7 m=51
